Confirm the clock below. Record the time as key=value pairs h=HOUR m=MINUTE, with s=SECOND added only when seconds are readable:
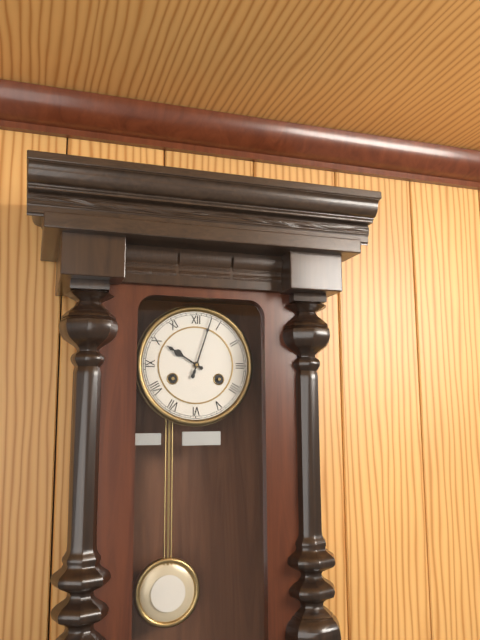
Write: h=10 m=3
